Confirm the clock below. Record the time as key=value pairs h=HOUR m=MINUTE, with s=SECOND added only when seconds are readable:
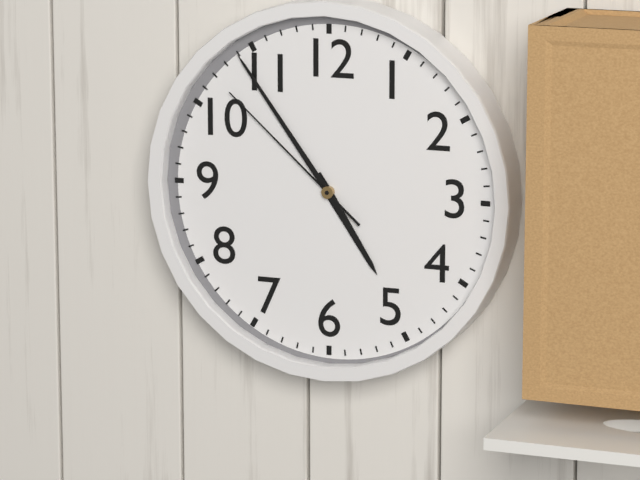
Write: h=4 m=54 s=52
